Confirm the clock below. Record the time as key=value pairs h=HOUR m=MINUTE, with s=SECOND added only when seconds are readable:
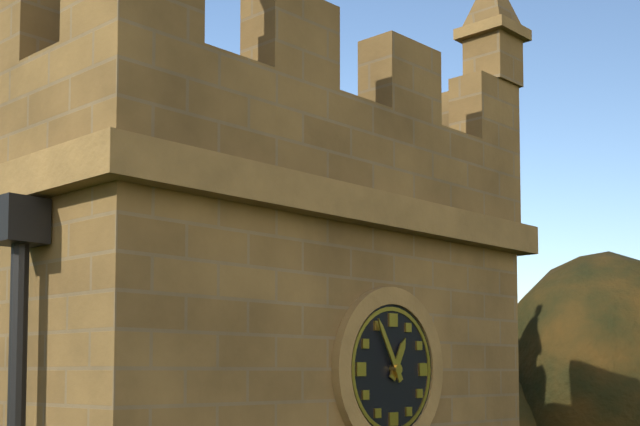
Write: h=12 m=55
